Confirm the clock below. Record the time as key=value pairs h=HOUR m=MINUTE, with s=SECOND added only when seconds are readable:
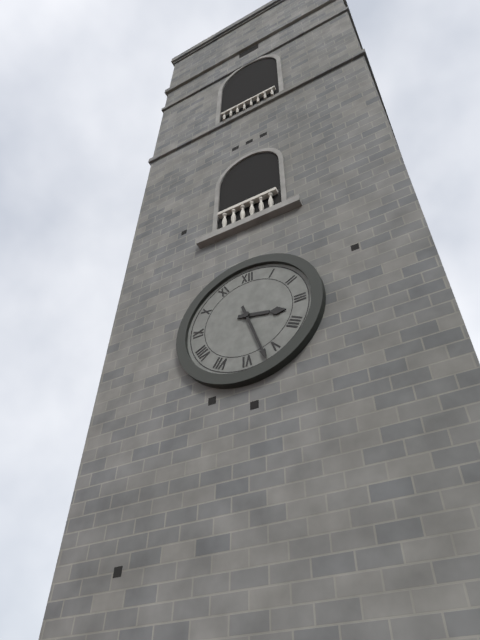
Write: h=3 m=27
